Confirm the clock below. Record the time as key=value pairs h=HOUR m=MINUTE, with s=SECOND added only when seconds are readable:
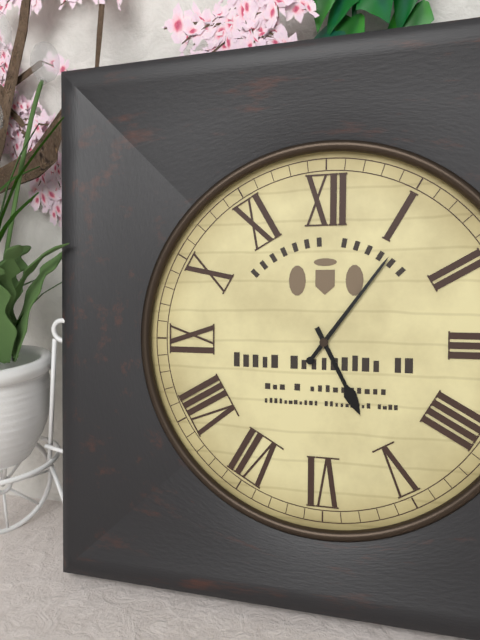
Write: h=5 m=6
